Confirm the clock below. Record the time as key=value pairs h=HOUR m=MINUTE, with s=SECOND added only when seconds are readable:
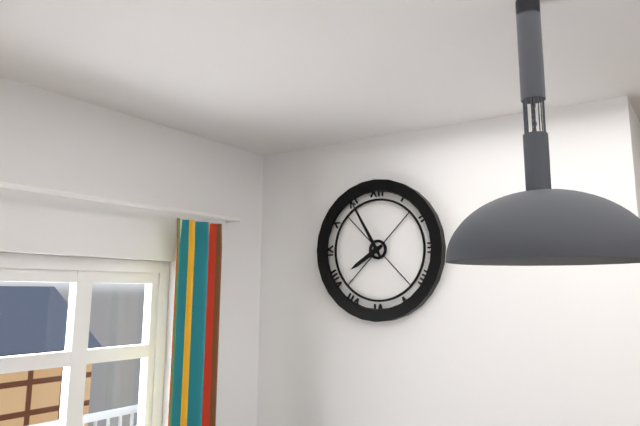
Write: h=7 m=55
